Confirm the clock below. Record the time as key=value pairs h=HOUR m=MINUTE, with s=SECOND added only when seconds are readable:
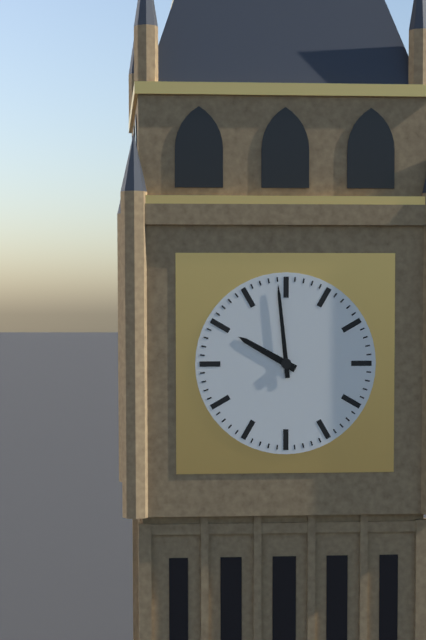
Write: h=9 m=59
